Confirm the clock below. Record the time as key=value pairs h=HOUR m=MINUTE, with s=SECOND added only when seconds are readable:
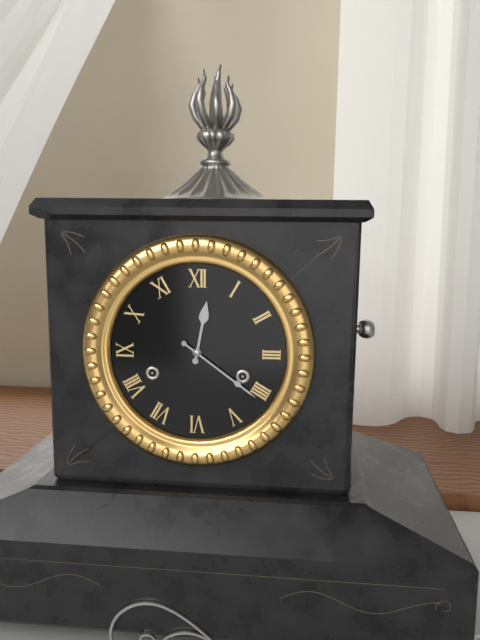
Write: h=12 m=21
